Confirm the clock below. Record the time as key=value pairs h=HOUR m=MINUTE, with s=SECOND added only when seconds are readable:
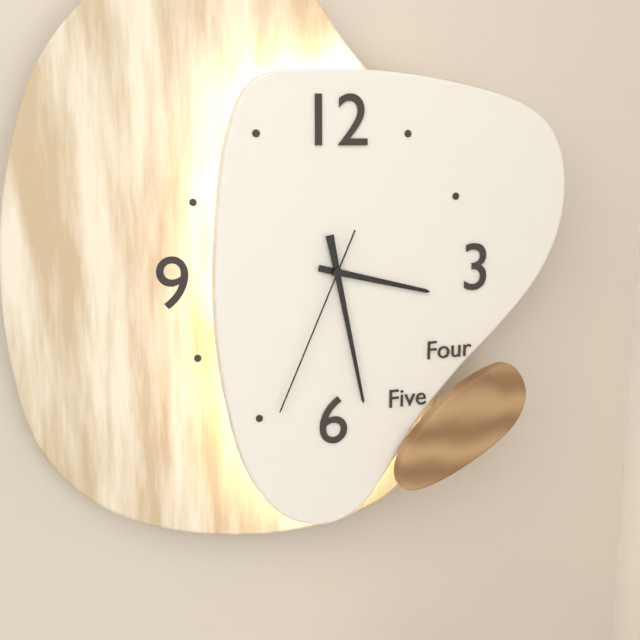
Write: h=3 m=28 s=34
